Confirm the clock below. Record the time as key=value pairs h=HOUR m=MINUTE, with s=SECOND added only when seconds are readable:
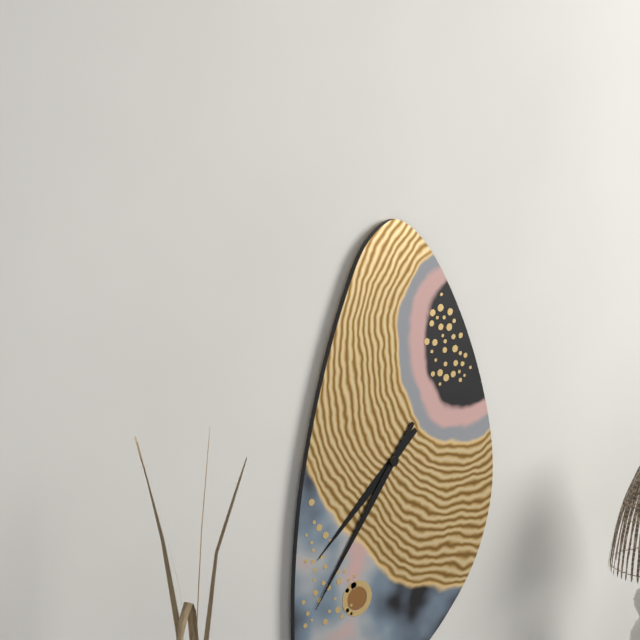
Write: h=7 m=36
